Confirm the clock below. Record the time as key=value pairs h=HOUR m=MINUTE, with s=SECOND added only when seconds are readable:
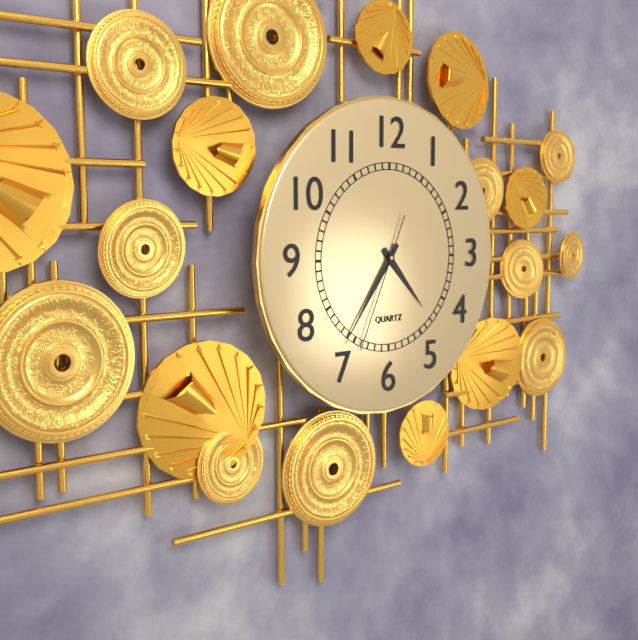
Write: h=4 m=36 s=34
